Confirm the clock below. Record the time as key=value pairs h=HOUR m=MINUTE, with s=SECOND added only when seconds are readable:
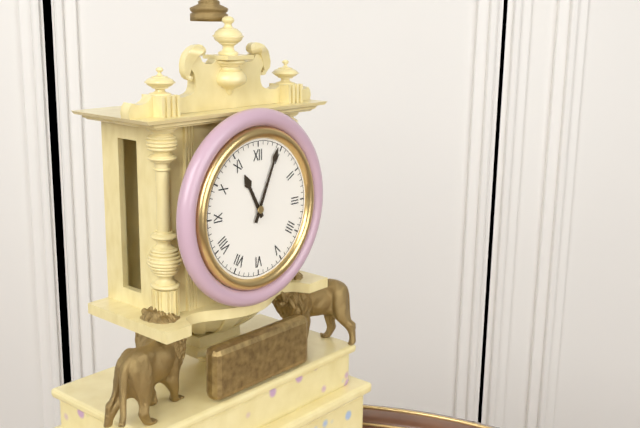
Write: h=11 m=4
